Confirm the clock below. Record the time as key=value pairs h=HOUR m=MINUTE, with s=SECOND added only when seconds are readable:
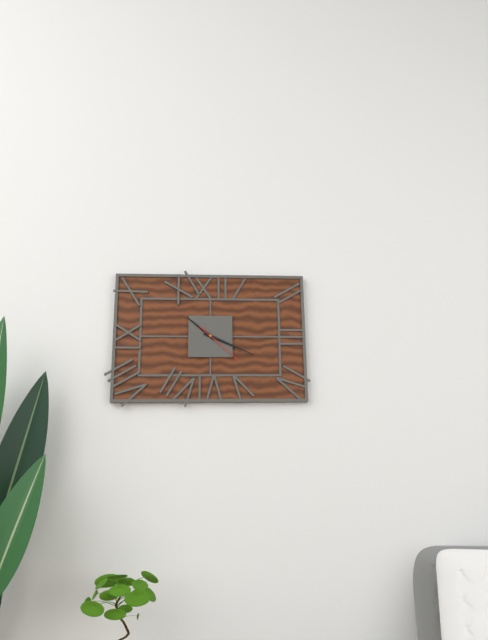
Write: h=10 m=19
